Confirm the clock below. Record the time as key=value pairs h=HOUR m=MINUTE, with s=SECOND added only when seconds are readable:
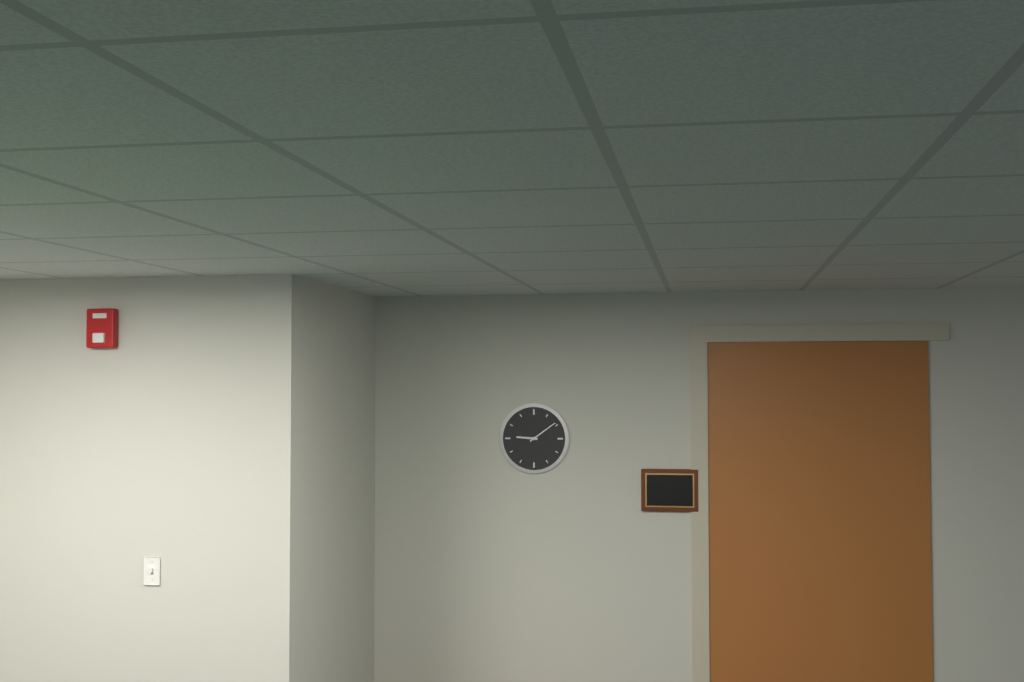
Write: h=9 m=9
